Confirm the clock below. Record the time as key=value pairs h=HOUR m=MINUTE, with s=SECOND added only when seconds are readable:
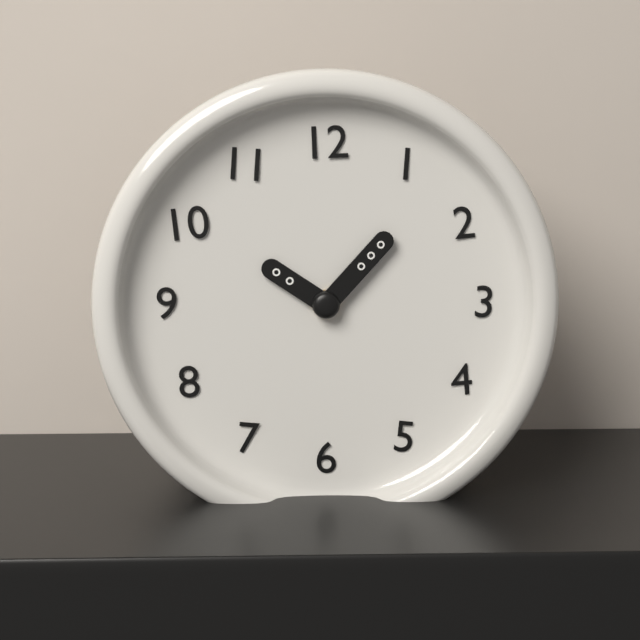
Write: h=10 m=7
